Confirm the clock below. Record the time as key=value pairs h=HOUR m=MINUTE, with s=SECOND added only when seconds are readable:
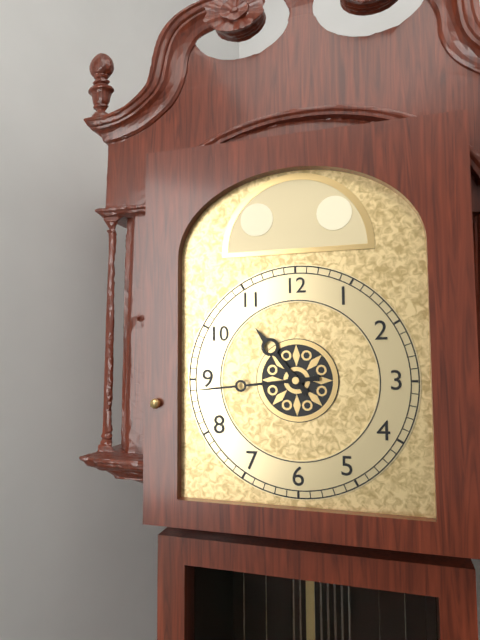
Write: h=10 m=44
